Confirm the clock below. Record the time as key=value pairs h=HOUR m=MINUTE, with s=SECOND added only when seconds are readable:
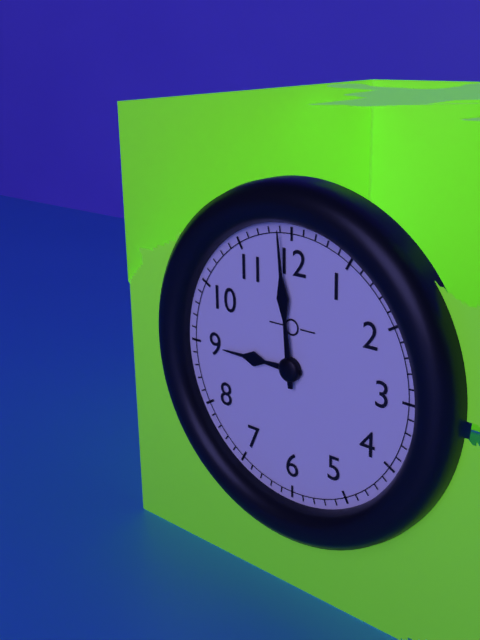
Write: h=8 m=59
